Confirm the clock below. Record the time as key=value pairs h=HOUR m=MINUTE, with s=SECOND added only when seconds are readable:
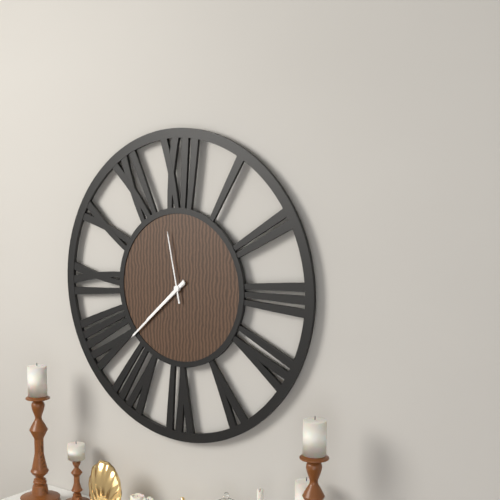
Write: h=7 m=38 s=58
